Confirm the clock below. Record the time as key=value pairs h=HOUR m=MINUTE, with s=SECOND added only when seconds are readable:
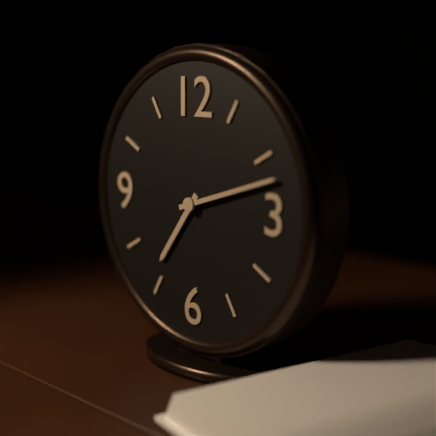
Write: h=7 m=12
